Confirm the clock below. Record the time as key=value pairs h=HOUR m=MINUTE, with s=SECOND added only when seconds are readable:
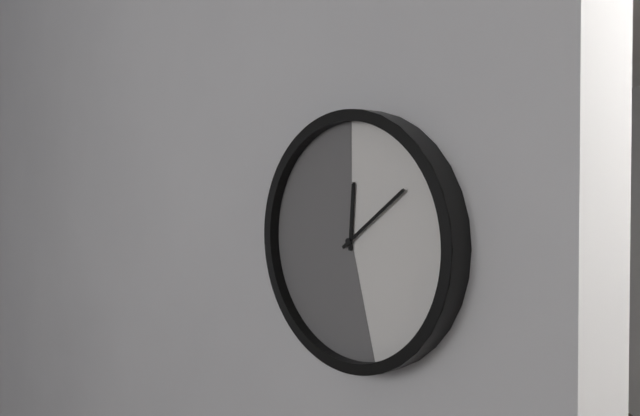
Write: h=12 m=9
